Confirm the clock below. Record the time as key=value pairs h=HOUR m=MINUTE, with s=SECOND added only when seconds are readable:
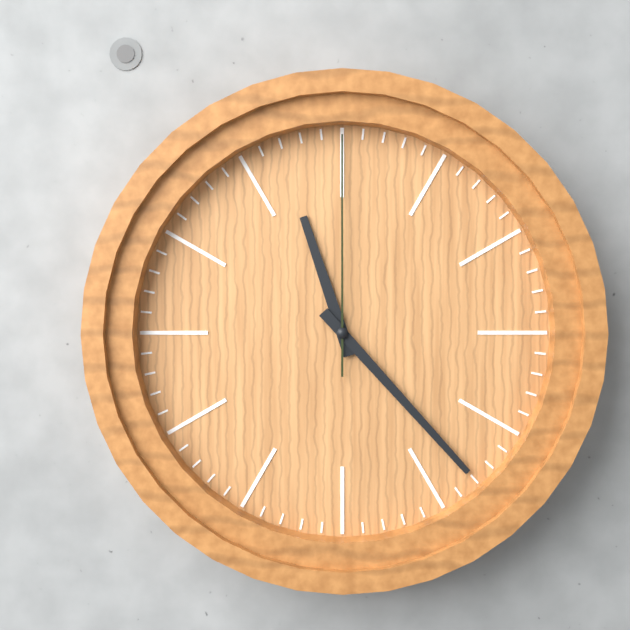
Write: h=11 m=23 s=0
